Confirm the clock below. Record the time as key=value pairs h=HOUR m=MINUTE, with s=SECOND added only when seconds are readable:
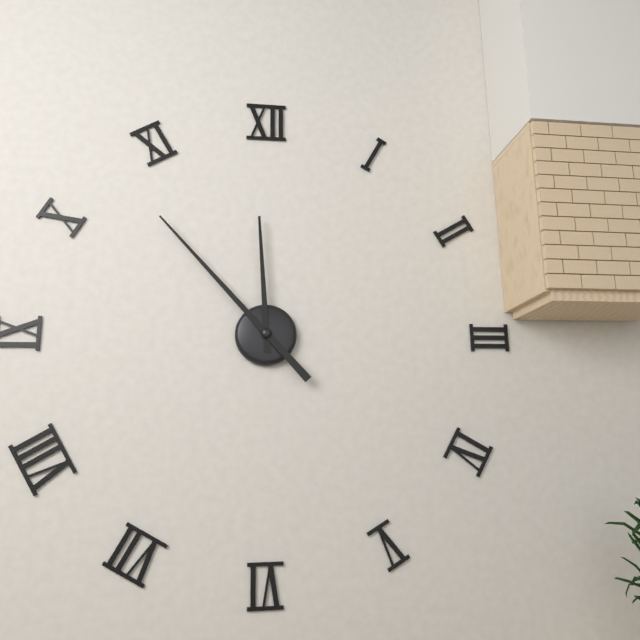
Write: h=11 m=53
